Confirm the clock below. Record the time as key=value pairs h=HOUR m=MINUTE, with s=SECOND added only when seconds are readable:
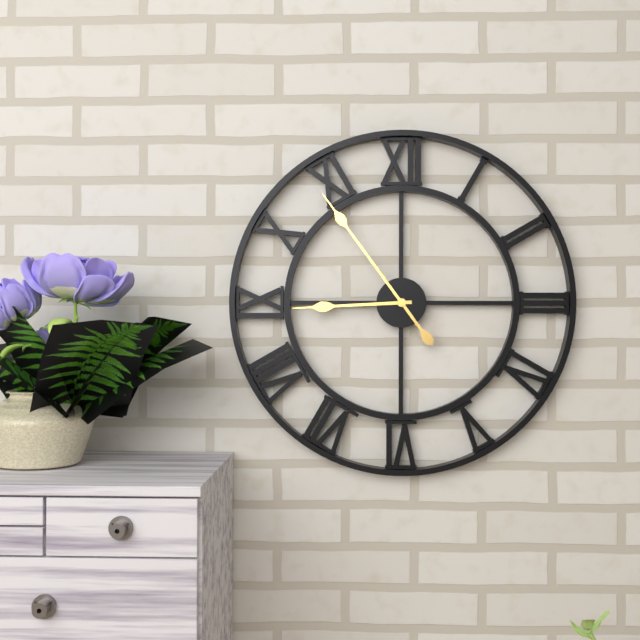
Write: h=8 m=54
